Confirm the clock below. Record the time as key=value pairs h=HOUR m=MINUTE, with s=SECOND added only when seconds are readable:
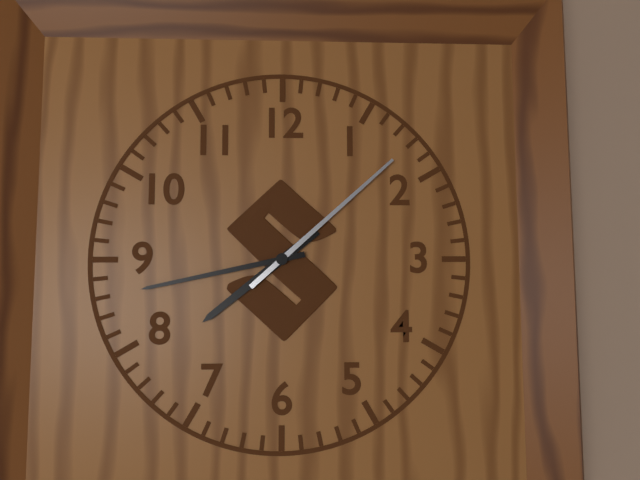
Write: h=7 m=43 s=8
